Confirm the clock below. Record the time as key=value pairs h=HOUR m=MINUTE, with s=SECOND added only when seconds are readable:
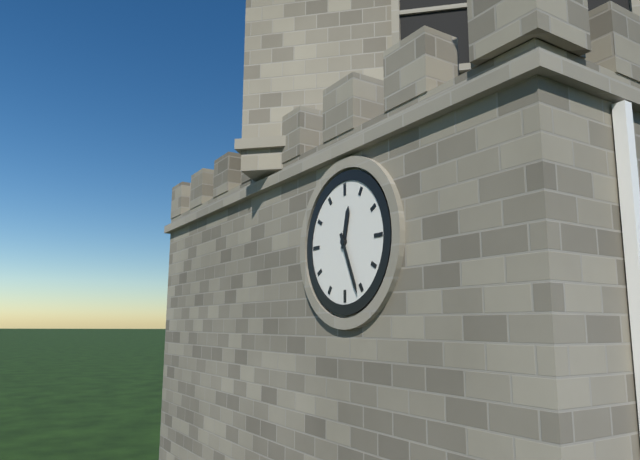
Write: h=12 m=26
